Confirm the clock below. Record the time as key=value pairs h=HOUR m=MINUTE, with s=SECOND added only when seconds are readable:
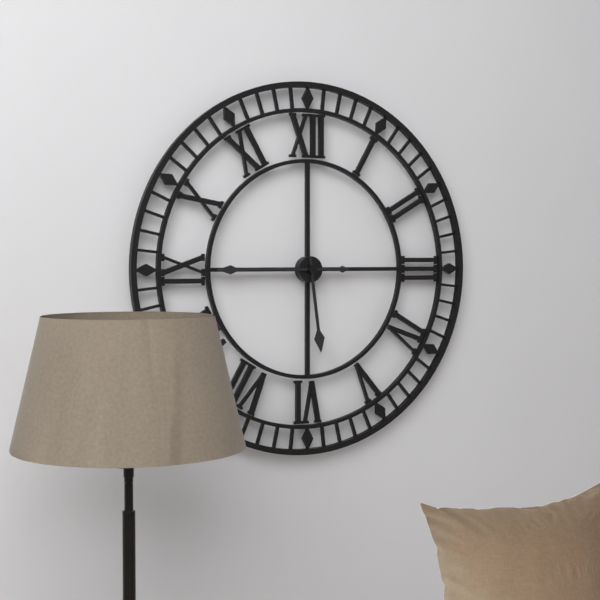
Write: h=5 m=45
